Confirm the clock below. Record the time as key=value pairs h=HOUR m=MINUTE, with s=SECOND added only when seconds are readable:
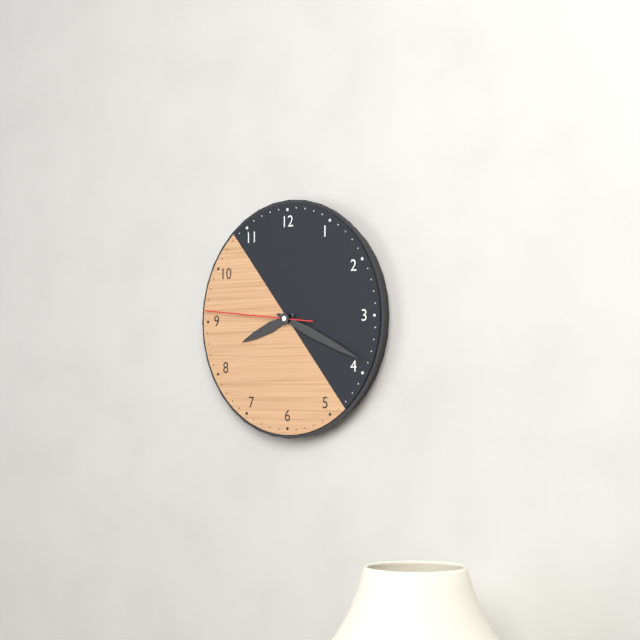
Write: h=8 m=19 s=46
